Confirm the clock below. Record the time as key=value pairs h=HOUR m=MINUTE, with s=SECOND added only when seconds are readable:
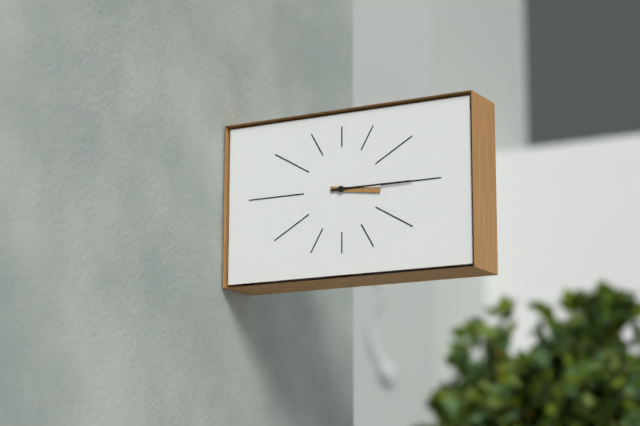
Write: h=3 m=15
